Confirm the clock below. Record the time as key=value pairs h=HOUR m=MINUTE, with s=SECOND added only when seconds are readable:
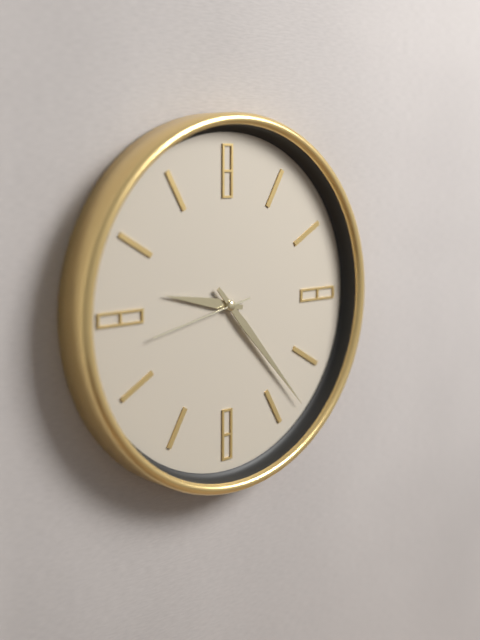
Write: h=9 m=23 s=43
